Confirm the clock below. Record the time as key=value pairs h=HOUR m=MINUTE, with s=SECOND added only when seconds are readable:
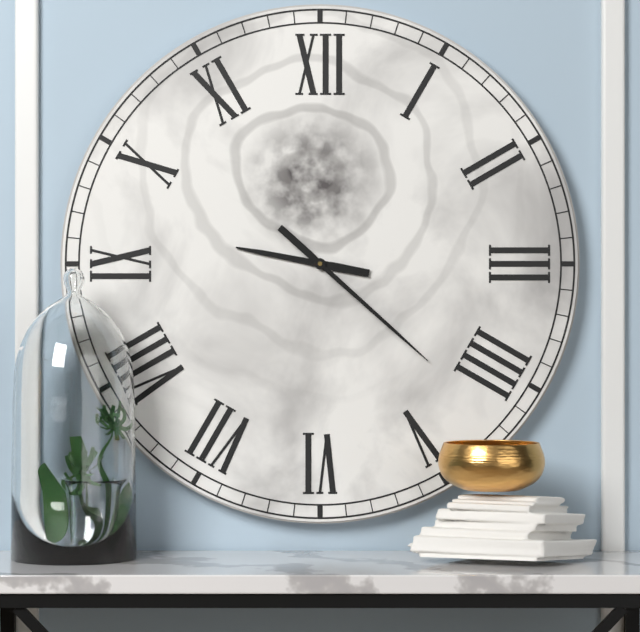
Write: h=9 m=22
